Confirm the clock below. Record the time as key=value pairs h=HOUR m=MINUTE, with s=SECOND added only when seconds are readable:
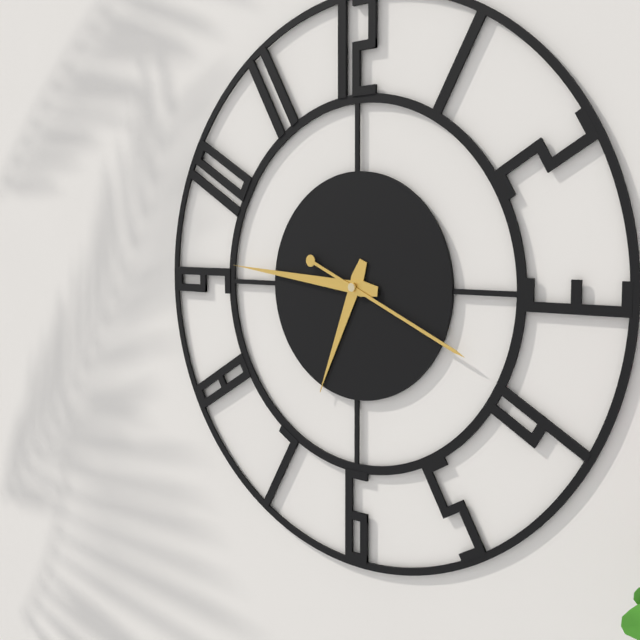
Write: h=6 m=46 s=19
